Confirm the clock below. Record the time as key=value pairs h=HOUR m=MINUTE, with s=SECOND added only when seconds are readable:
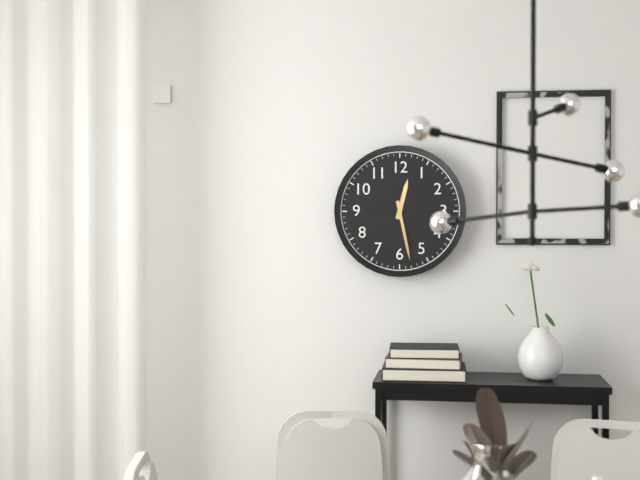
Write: h=12 m=28
